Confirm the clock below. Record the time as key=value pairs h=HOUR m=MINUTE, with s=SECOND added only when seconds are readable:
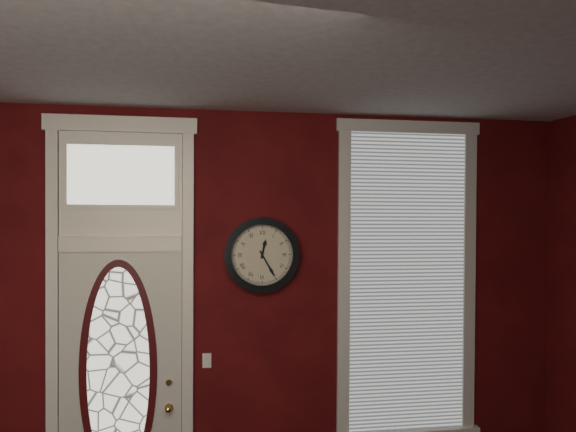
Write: h=12 m=25
